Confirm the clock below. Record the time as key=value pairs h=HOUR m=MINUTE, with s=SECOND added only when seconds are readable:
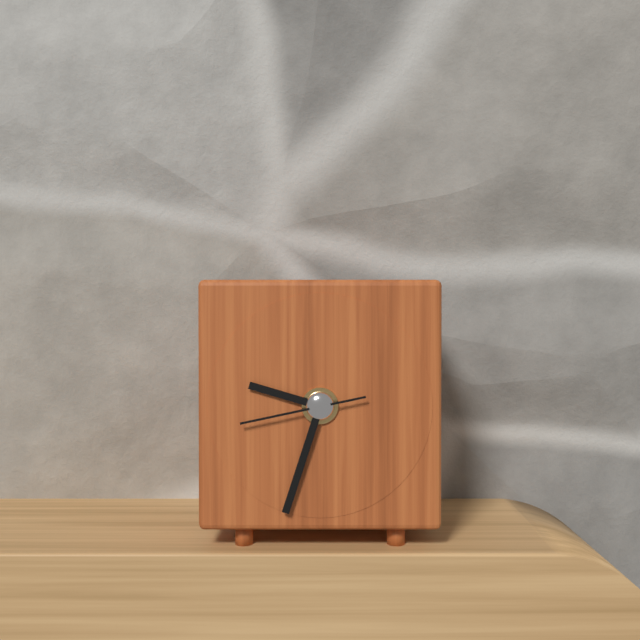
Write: h=9 m=33 s=43
